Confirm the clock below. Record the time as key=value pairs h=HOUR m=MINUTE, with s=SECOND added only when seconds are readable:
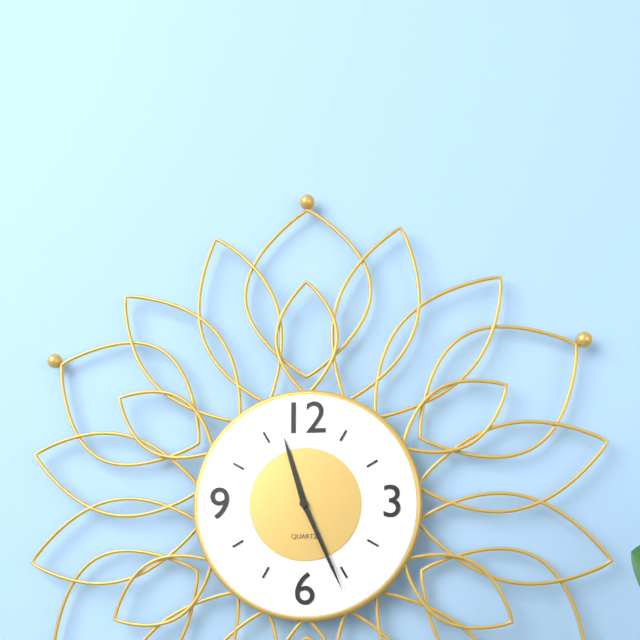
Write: h=11 m=26
